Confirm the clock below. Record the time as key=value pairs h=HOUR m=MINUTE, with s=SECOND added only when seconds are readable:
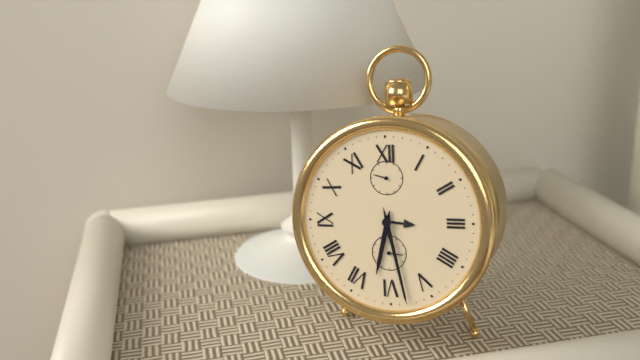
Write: h=6 m=28
